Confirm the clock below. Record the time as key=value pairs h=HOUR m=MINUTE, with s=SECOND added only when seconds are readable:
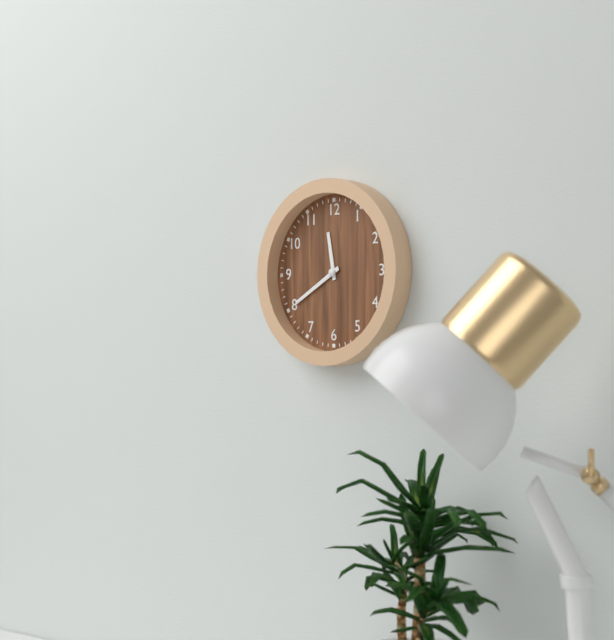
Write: h=11 m=40
